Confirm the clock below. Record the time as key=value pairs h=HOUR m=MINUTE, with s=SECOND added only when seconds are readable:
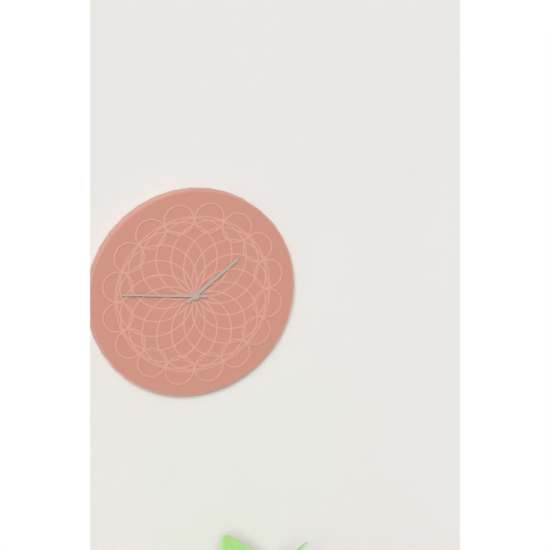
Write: h=1 m=46
